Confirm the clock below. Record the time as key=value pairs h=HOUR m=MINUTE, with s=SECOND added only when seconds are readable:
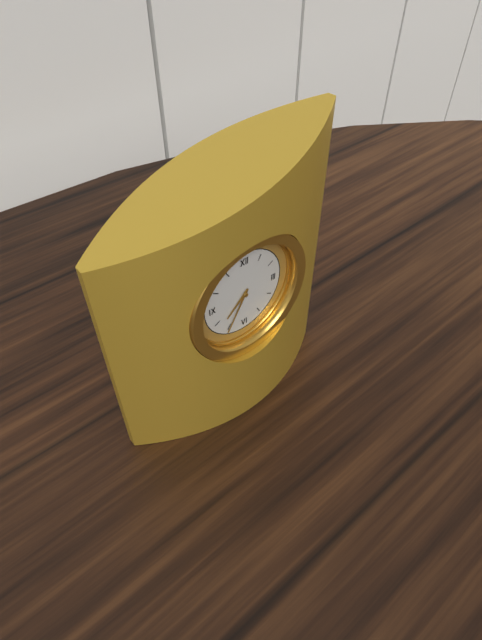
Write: h=7 m=35
